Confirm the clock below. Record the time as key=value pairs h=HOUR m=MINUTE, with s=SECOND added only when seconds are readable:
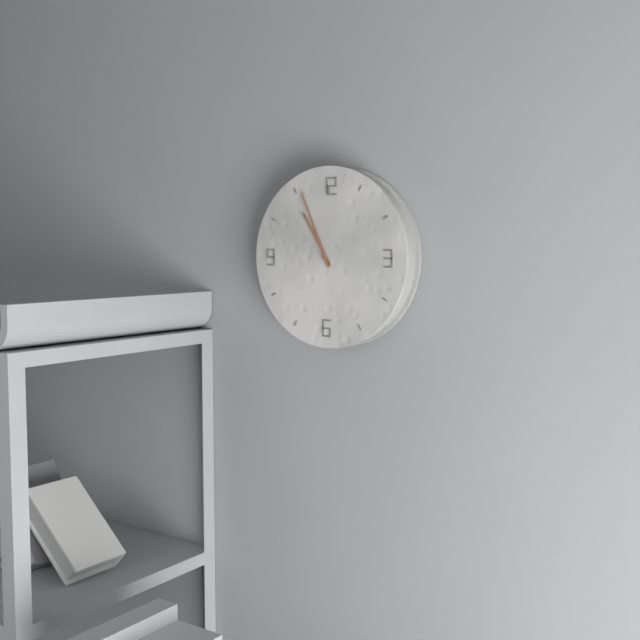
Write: h=10 m=56
